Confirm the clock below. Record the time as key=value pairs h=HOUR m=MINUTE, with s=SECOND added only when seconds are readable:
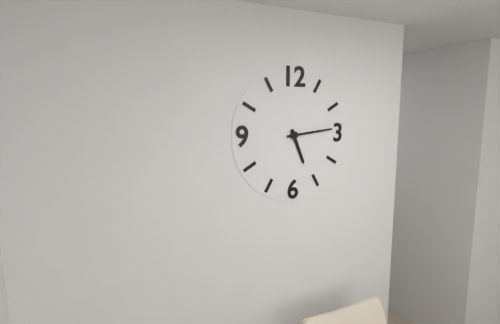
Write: h=5 m=14
